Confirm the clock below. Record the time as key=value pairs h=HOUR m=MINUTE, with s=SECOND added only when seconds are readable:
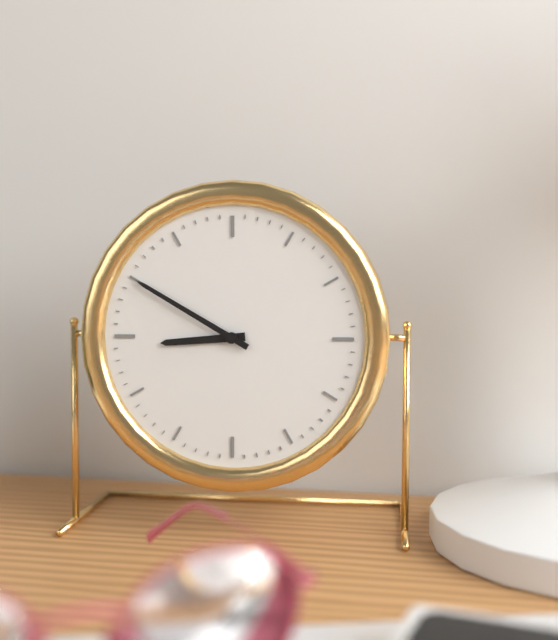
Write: h=8 m=50
